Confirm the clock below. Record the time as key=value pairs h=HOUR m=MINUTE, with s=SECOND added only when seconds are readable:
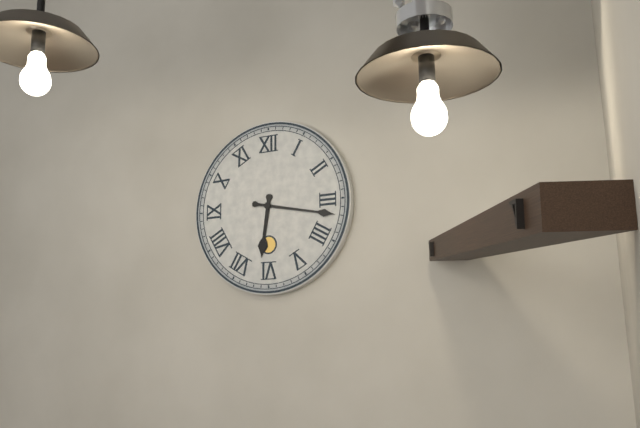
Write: h=6 m=17
